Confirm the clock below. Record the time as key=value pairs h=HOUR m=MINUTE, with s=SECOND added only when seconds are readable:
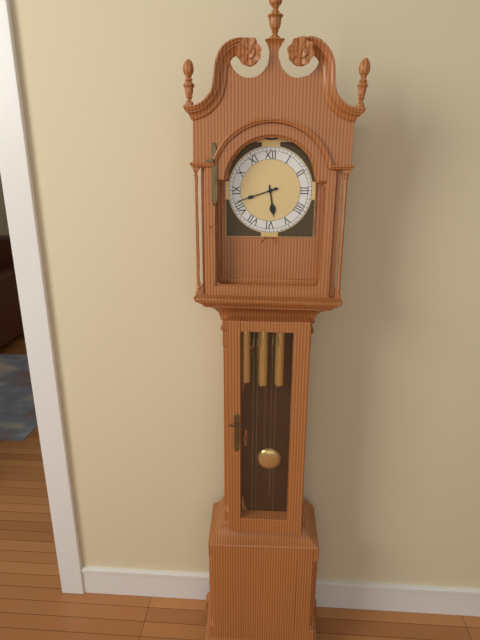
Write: h=5 m=42
